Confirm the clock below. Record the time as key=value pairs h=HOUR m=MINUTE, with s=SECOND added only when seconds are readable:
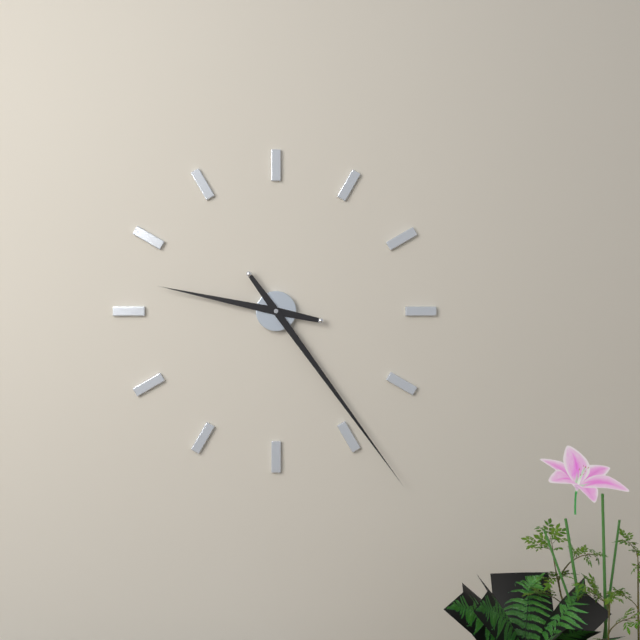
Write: h=9 m=24
